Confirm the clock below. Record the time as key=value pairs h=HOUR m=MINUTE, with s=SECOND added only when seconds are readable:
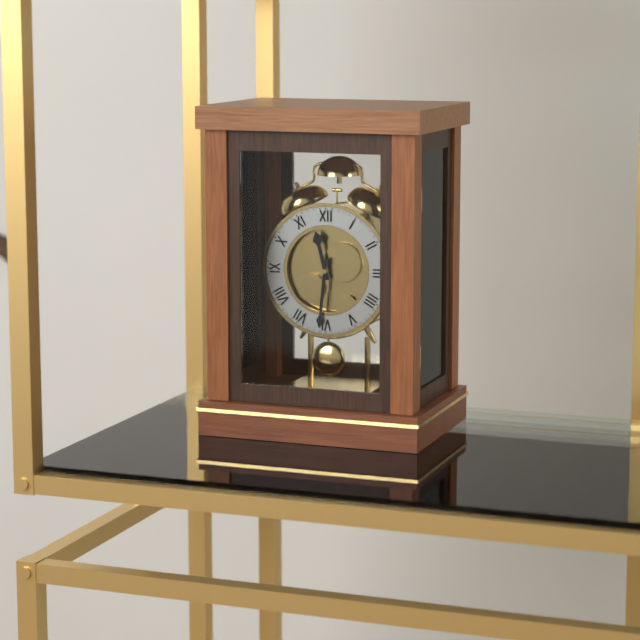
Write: h=11 m=31
